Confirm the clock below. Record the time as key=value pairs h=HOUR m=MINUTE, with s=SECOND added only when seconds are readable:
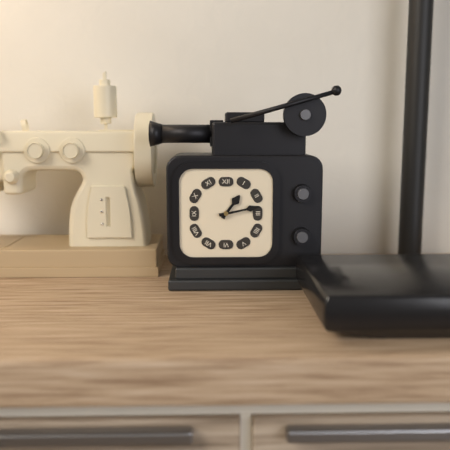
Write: h=1 m=13
